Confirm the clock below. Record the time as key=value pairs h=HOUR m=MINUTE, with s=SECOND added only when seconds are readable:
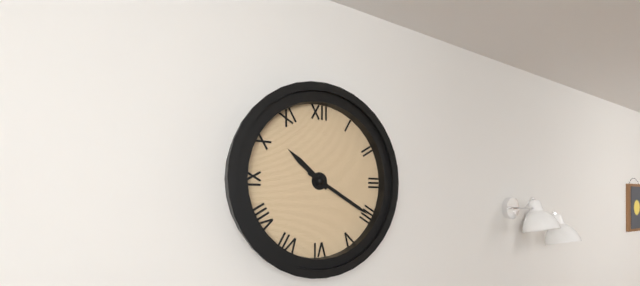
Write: h=10 m=20
